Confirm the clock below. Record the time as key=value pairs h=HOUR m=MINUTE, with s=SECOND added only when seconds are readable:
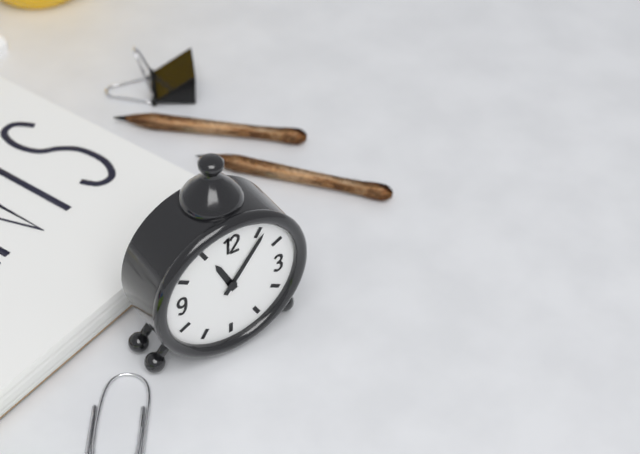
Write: h=11 m=6
